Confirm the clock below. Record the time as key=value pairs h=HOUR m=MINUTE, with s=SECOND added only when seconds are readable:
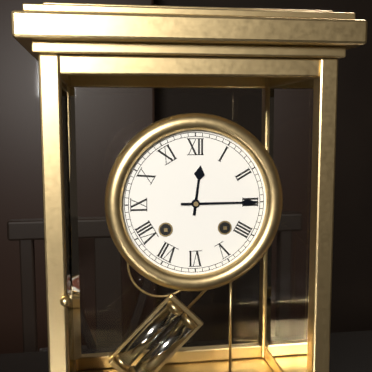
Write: h=12 m=15
